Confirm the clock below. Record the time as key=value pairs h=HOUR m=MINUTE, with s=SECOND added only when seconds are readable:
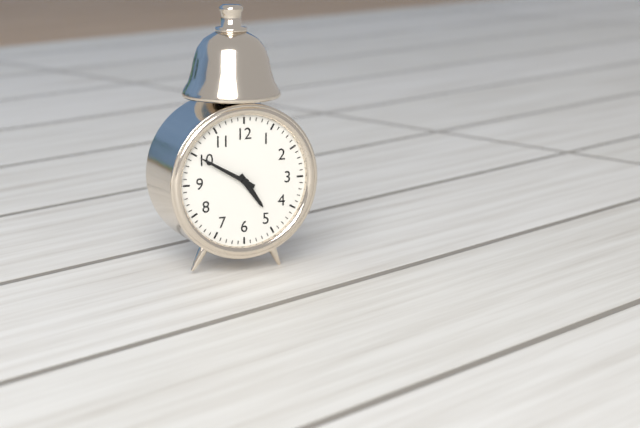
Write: h=4 m=50
